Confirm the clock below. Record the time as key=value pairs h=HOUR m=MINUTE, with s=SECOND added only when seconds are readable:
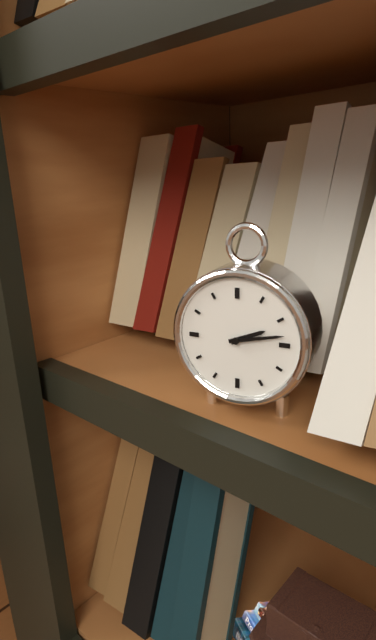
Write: h=2 m=13
